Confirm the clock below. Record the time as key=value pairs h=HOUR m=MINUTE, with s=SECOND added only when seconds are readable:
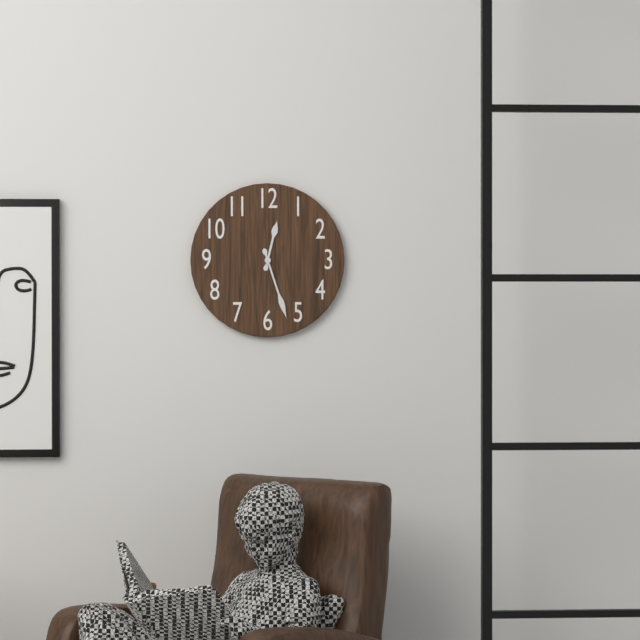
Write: h=12 m=27
